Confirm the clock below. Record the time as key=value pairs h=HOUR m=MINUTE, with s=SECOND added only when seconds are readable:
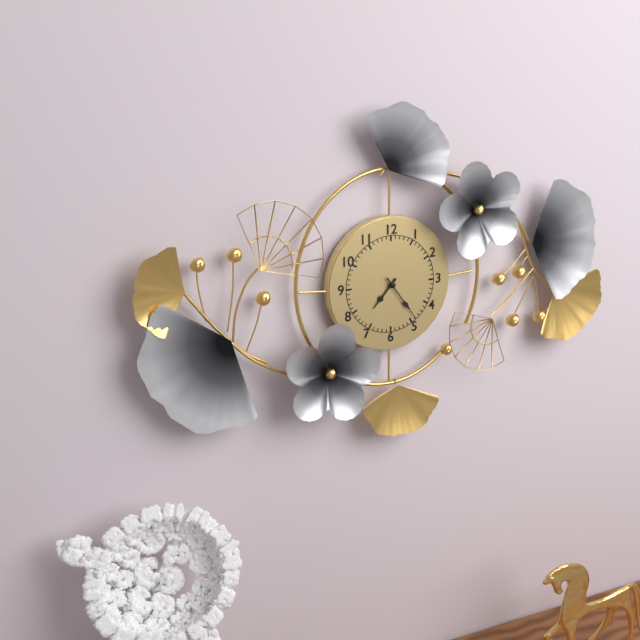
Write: h=7 m=24
